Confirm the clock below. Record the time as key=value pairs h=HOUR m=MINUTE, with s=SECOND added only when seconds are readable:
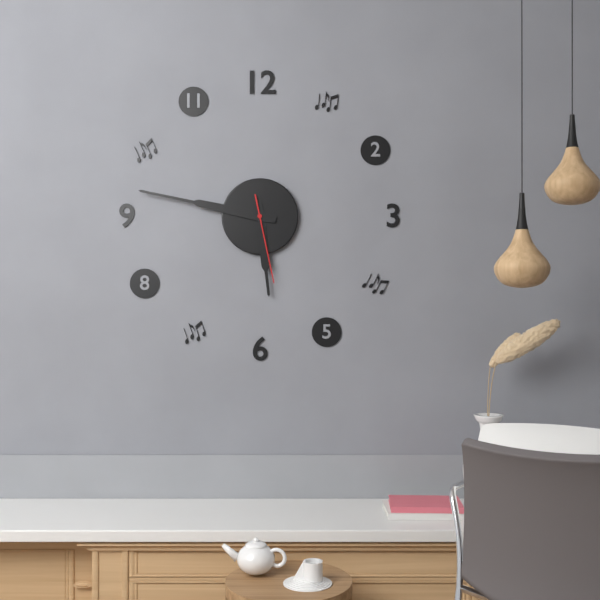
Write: h=5 m=47 s=28
